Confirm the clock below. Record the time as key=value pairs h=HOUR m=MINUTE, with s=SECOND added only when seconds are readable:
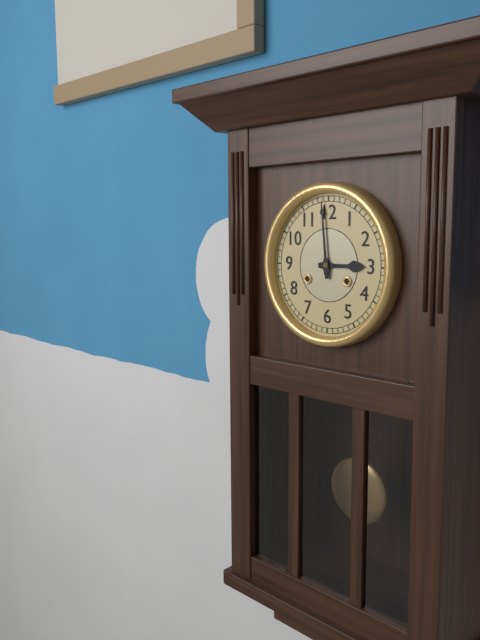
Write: h=2 m=59
